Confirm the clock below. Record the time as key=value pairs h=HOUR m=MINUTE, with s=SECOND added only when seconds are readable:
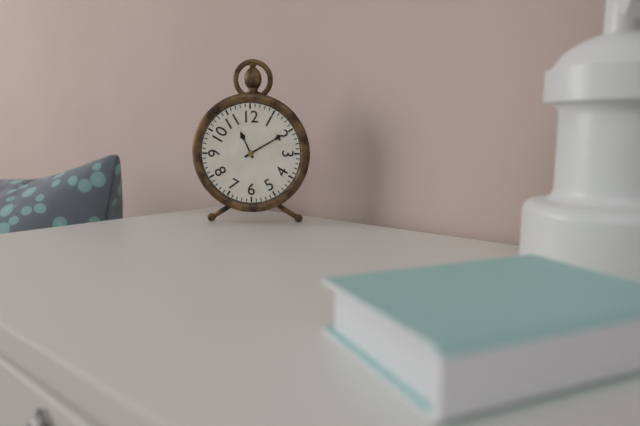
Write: h=11 m=10
